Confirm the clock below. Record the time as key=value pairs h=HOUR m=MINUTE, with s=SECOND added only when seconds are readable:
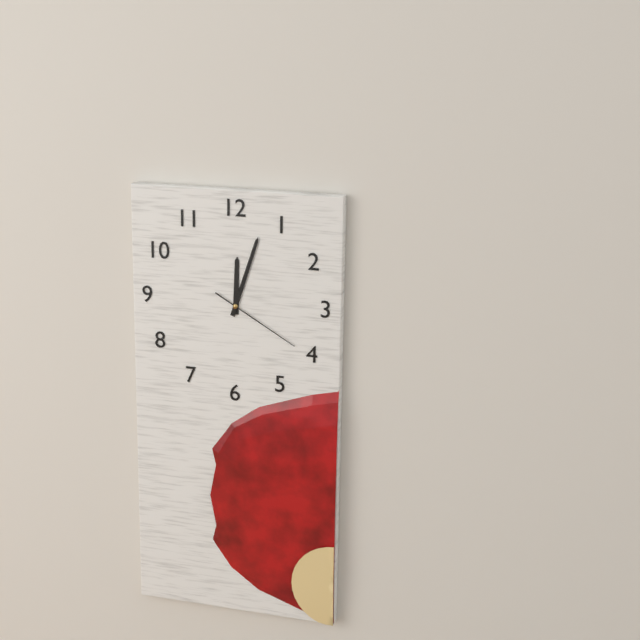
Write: h=12 m=3 s=20
